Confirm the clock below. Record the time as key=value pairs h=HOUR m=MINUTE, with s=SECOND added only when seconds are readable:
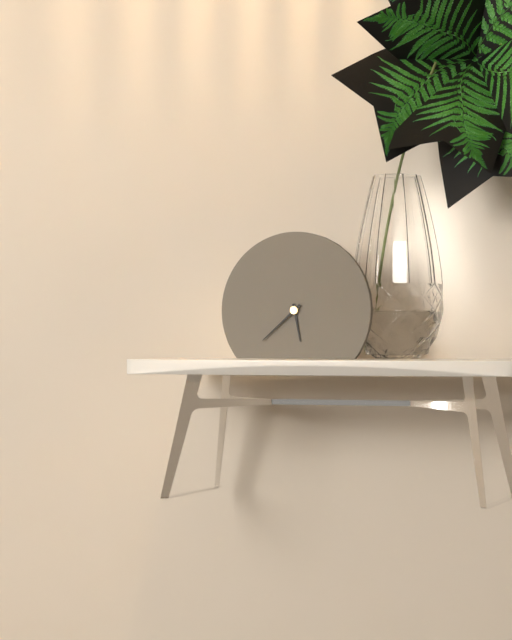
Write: h=5 m=38
